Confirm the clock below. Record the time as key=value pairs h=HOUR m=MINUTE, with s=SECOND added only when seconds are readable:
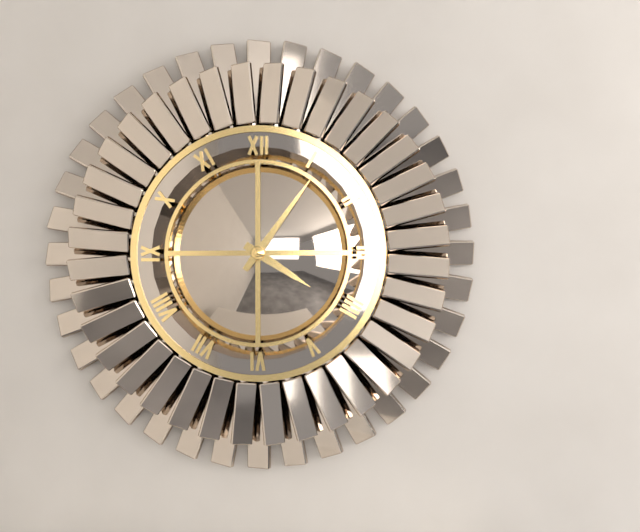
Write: h=4 m=6
